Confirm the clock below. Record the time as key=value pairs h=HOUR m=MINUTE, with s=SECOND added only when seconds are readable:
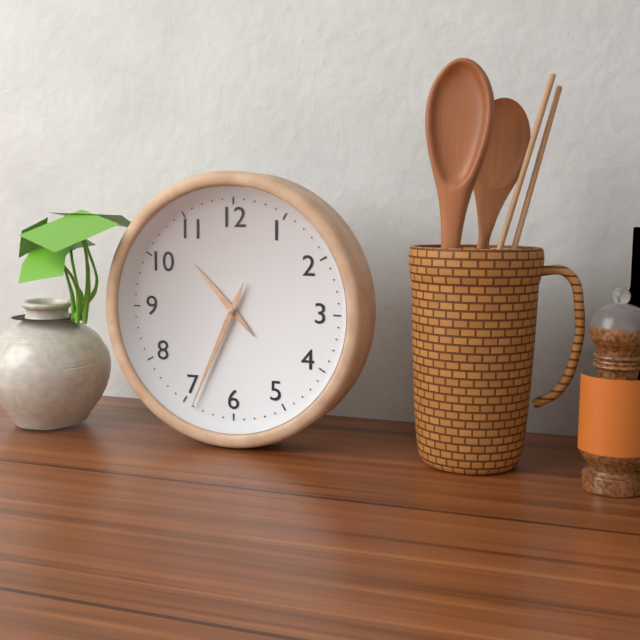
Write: h=10 m=34
